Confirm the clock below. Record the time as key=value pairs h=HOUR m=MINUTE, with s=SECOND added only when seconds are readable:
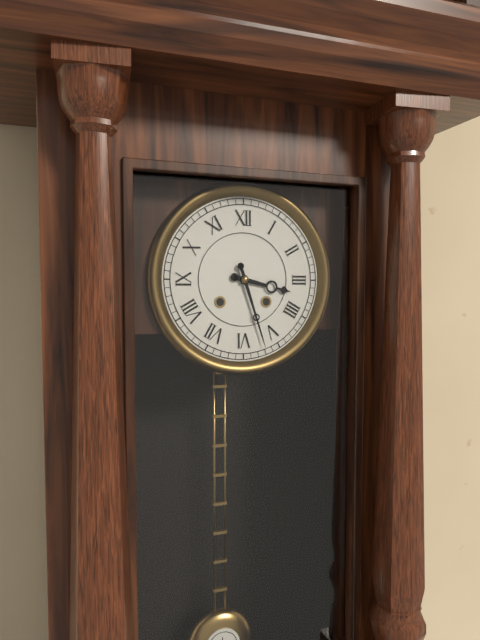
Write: h=3 m=27
